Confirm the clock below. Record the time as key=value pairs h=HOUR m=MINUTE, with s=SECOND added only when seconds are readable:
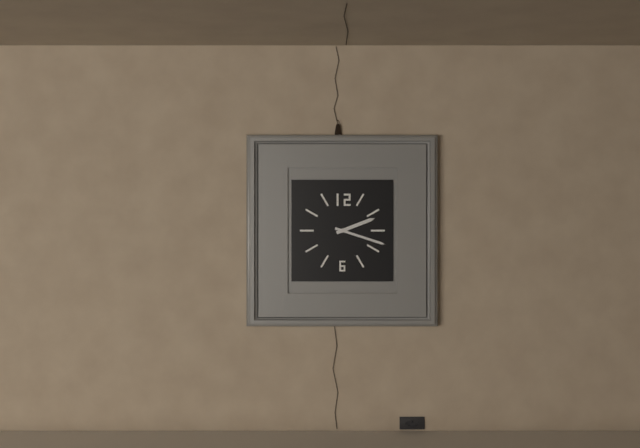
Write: h=2 m=18
